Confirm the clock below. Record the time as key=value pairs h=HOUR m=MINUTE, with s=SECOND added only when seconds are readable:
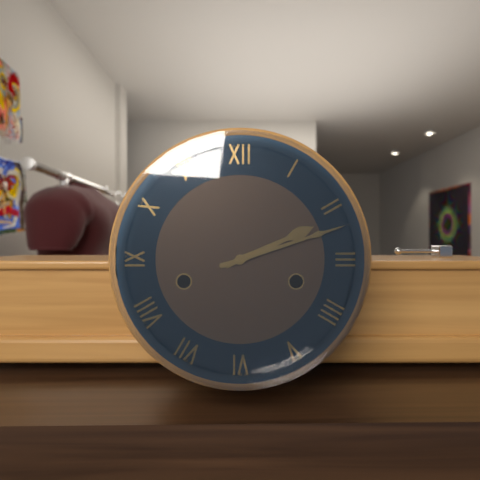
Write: h=2 m=12
